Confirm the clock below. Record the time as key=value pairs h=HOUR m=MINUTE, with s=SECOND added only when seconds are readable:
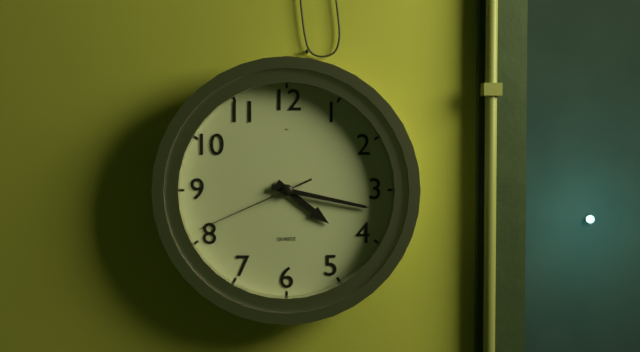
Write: h=4 m=17 s=41
